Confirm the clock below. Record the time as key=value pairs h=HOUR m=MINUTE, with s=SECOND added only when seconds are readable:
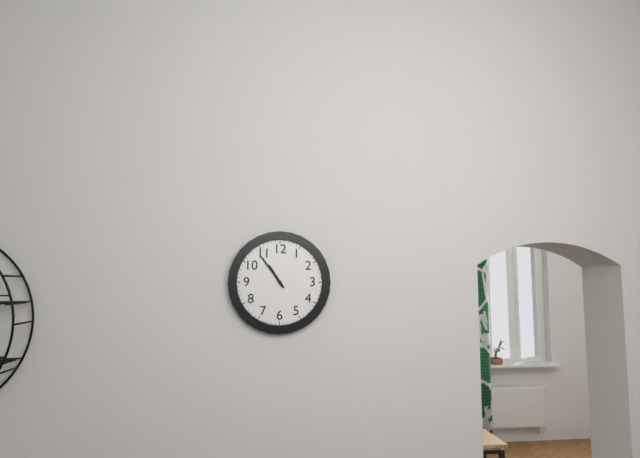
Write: h=10 m=54
